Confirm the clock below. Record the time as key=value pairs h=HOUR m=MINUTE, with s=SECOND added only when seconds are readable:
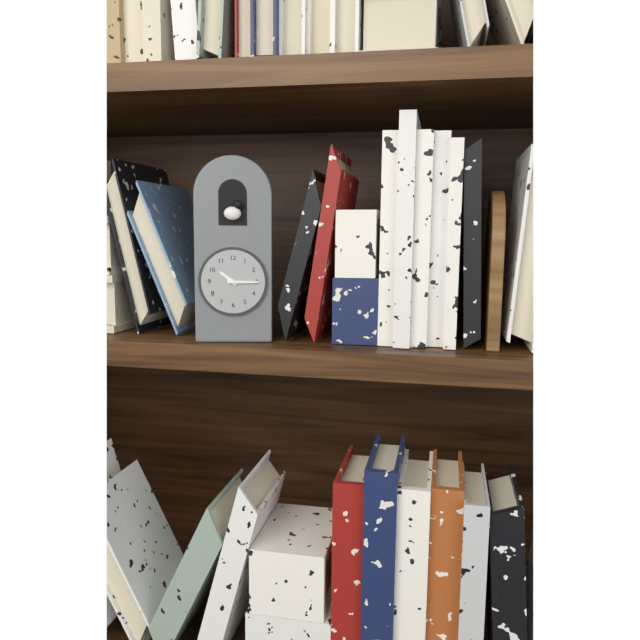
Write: h=10 m=15
